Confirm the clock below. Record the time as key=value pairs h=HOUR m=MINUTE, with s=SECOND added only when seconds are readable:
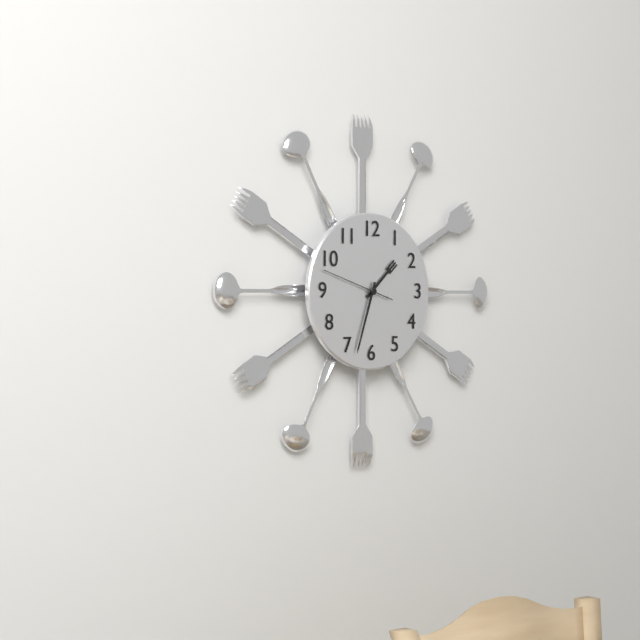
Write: h=1 m=33 s=48
